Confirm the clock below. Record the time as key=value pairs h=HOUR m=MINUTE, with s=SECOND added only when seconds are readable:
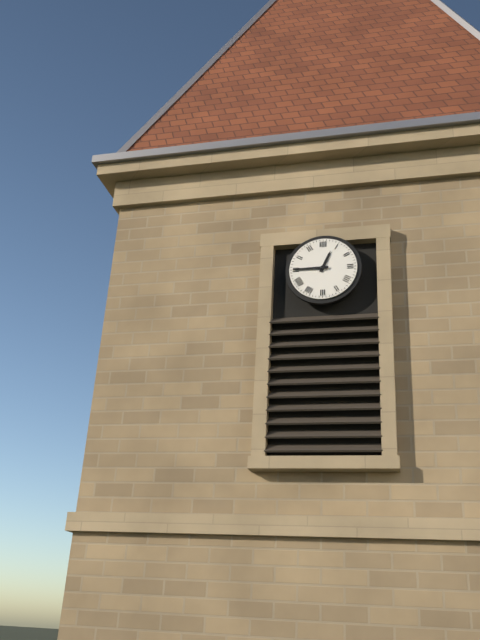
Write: h=12 m=45
